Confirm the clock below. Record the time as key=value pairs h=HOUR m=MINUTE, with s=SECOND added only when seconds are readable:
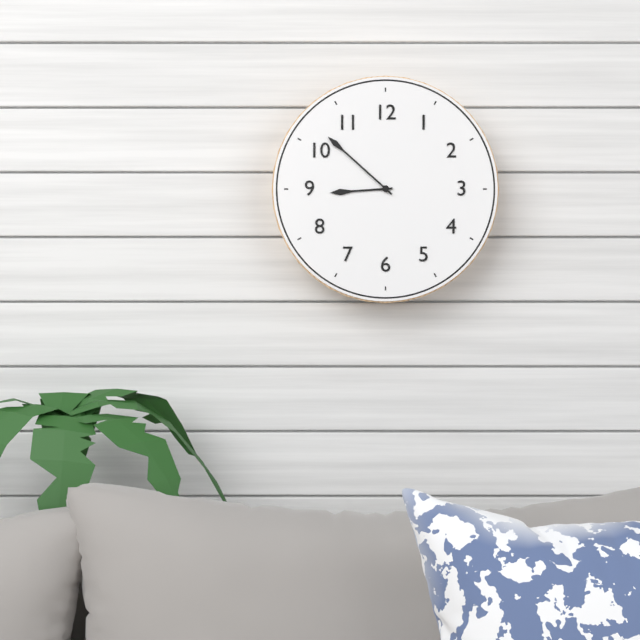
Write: h=8 m=52
